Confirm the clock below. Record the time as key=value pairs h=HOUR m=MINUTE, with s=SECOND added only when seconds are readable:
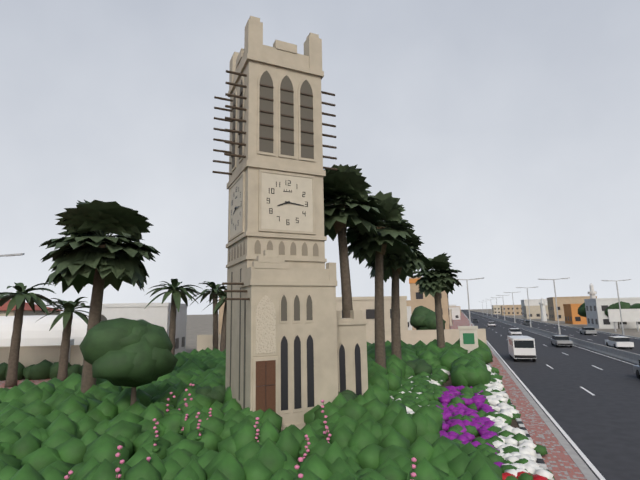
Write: h=8 m=16
